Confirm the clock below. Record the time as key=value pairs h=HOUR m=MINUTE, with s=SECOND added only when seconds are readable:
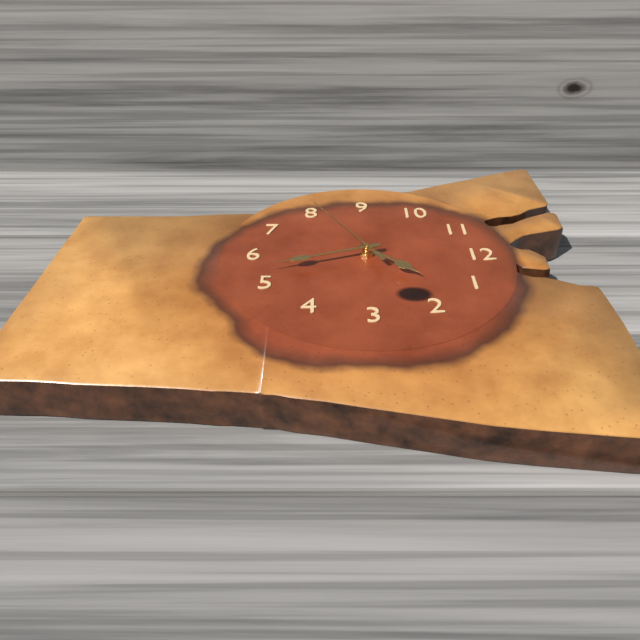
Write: h=1 m=27 s=40
